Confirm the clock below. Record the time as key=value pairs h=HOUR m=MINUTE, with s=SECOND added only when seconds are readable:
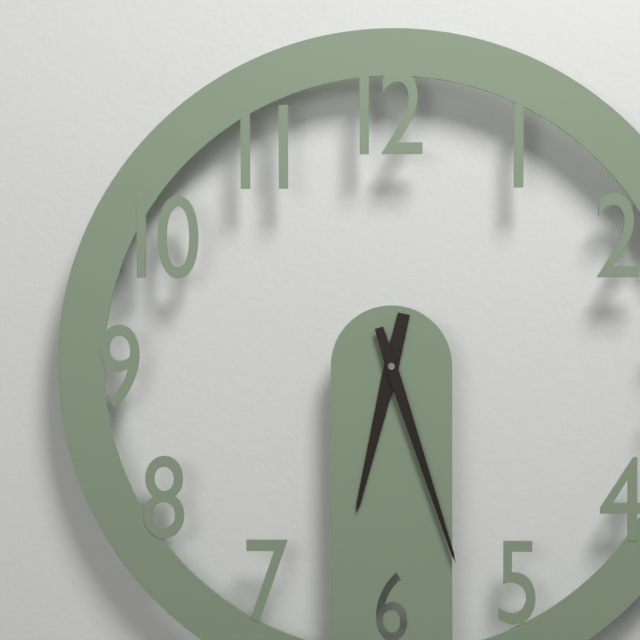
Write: h=6 m=27
